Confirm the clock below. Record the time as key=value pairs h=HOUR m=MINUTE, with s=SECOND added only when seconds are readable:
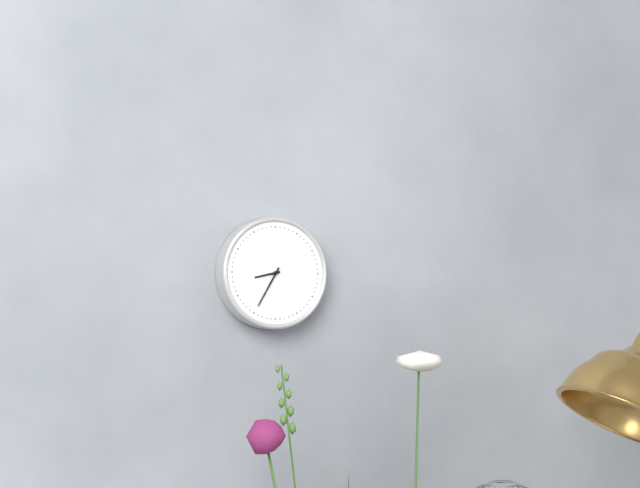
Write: h=8 m=35
